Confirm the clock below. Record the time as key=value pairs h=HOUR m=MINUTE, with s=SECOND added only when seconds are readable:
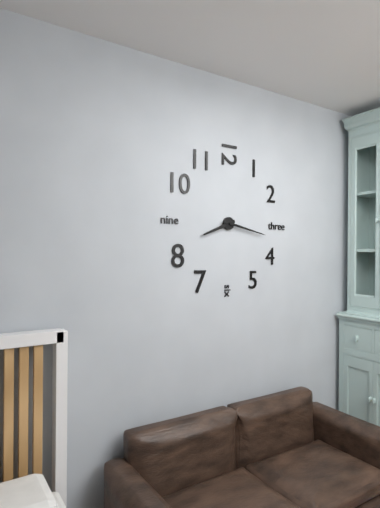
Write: h=8 m=17
